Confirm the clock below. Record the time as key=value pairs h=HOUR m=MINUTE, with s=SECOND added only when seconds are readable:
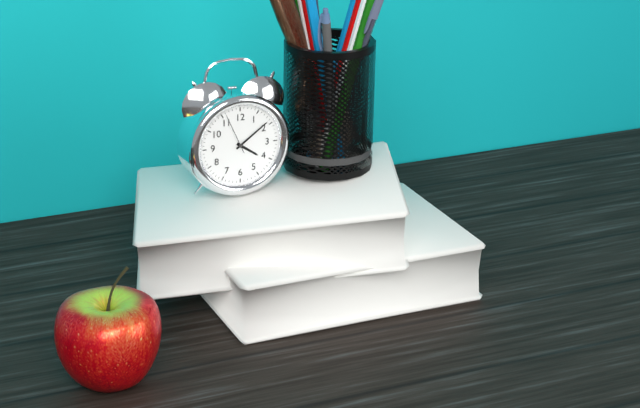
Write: h=4 m=9
